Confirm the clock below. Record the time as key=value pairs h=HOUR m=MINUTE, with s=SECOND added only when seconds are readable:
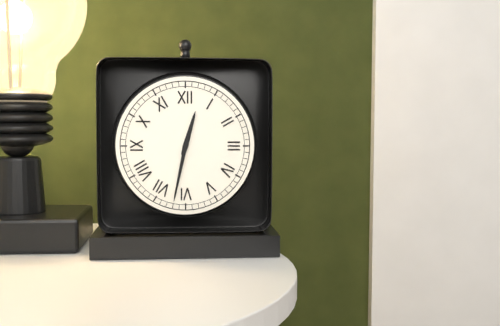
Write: h=12 m=32
